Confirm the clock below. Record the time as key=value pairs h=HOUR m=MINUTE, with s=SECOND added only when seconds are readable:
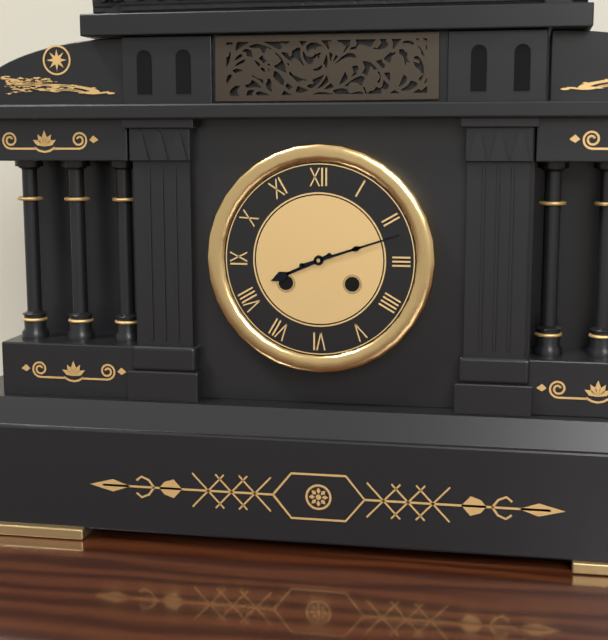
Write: h=8 m=12
